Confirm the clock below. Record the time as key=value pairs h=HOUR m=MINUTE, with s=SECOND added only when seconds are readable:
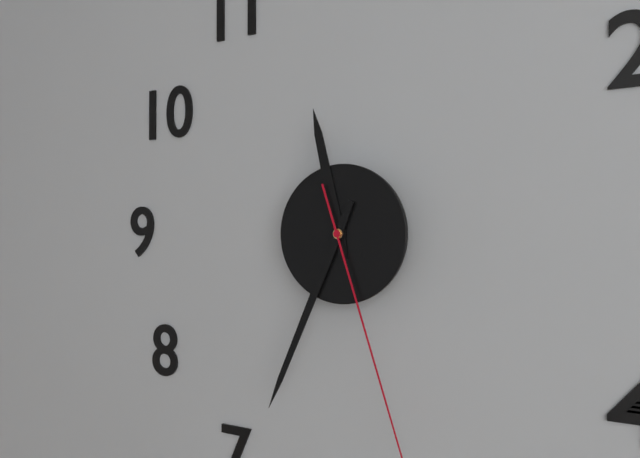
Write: h=11 m=34
